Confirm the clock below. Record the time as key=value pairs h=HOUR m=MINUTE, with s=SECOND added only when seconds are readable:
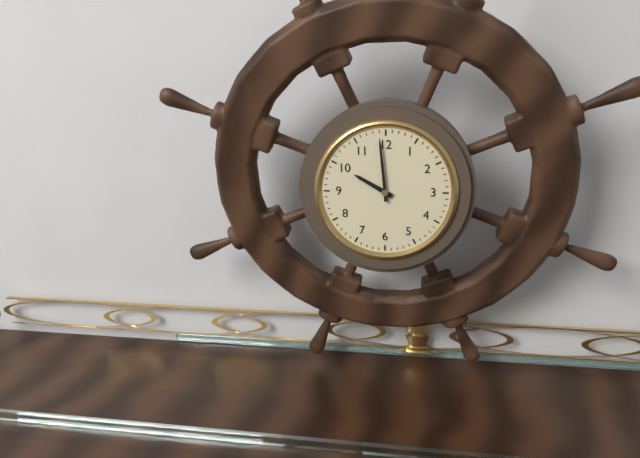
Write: h=9 m=59
